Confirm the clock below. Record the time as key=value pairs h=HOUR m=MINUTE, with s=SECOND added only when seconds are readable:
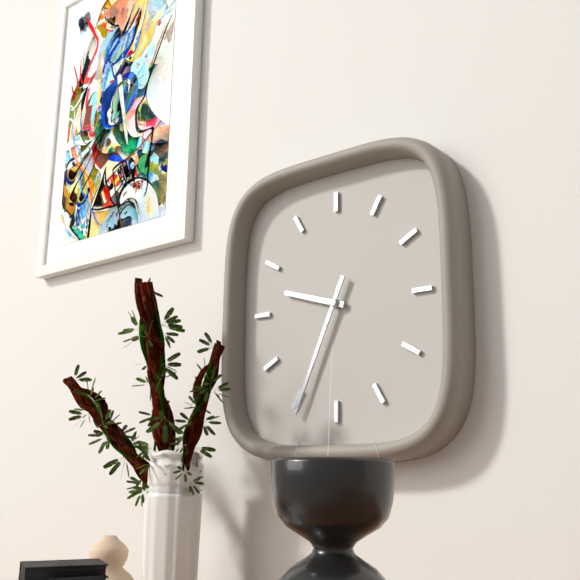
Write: h=9 m=34
